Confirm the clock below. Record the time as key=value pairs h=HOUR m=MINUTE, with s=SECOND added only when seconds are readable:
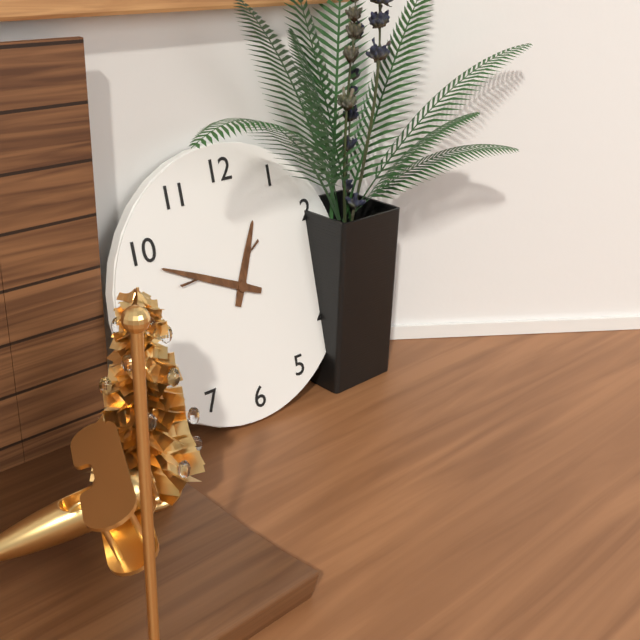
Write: h=12 m=49
